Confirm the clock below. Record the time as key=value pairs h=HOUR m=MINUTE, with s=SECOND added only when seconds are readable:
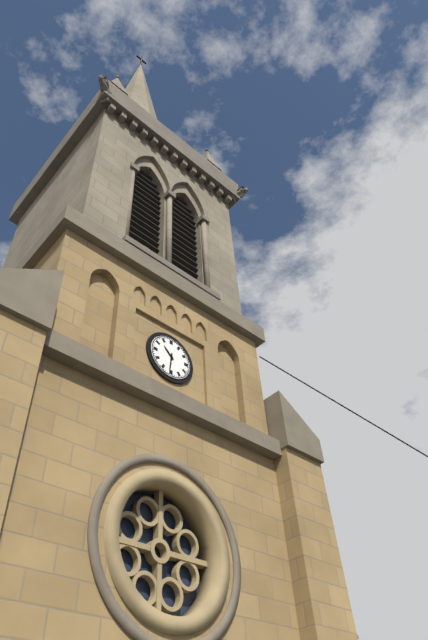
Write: h=10 m=31
